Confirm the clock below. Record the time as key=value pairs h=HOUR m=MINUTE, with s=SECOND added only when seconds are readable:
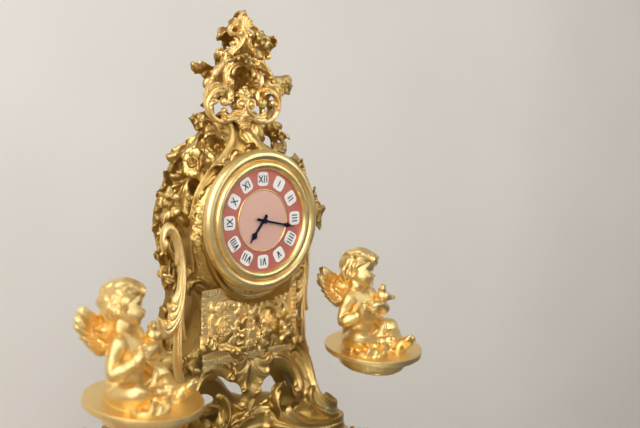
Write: h=7 m=17
